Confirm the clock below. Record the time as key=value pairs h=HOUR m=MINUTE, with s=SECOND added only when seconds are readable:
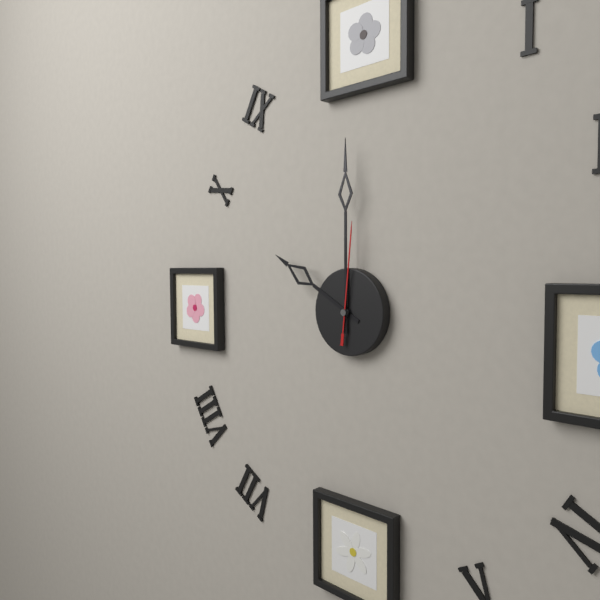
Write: h=10 m=0 s=1
